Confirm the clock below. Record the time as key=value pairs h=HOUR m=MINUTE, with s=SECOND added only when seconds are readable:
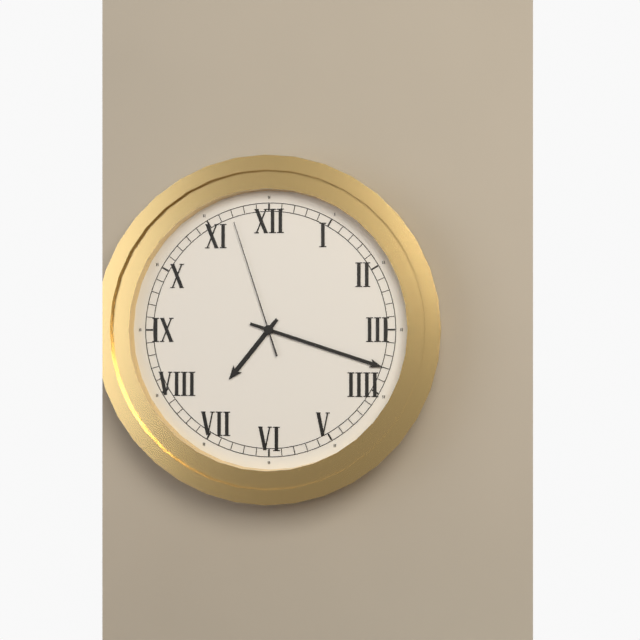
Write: h=7 m=18 s=57
